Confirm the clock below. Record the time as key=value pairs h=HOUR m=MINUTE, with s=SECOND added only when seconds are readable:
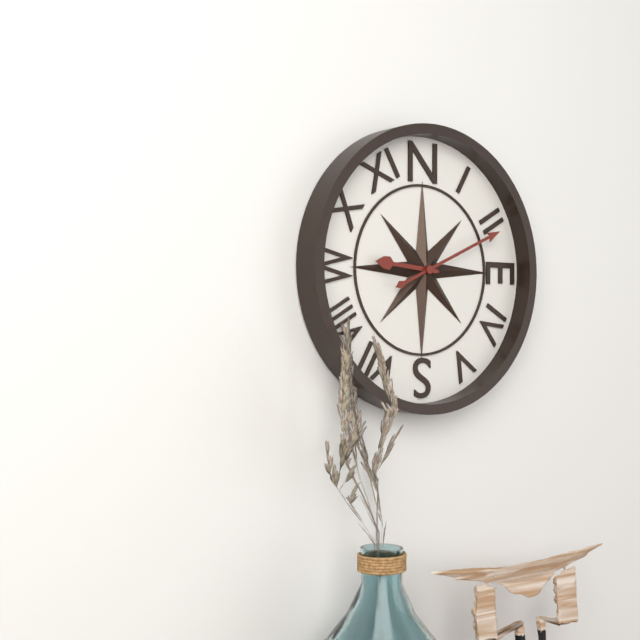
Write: h=9 m=11
